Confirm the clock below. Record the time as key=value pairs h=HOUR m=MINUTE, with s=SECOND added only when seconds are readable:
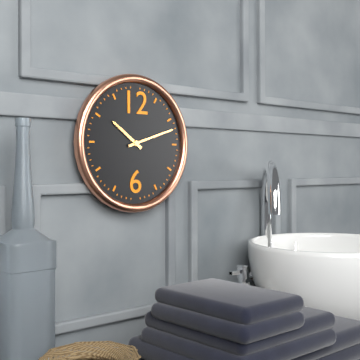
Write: h=10 m=12
